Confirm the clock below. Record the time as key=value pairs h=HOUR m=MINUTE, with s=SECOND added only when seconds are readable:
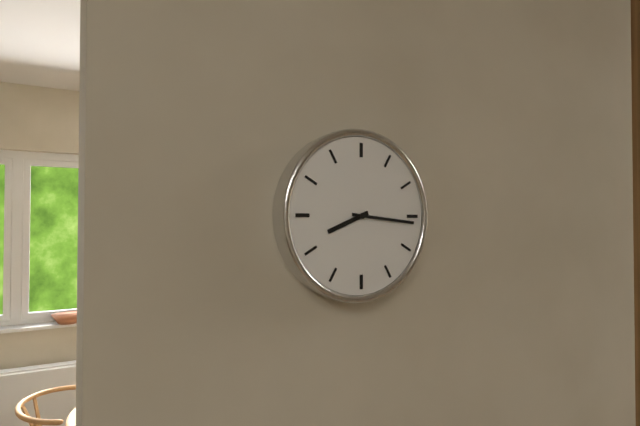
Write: h=8 m=16
